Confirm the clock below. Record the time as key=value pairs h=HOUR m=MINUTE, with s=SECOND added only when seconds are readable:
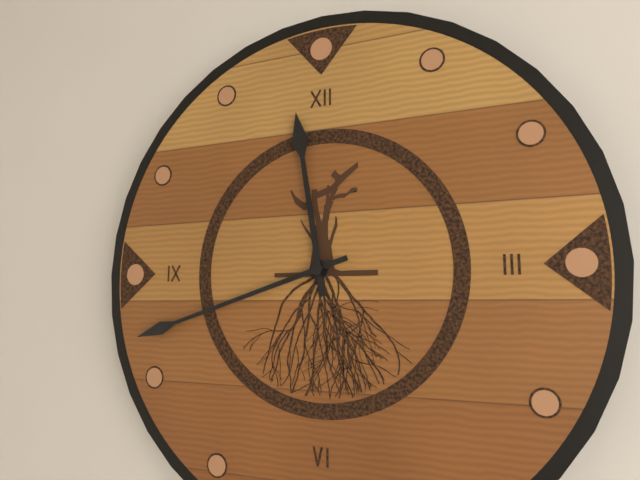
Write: h=11 m=42
